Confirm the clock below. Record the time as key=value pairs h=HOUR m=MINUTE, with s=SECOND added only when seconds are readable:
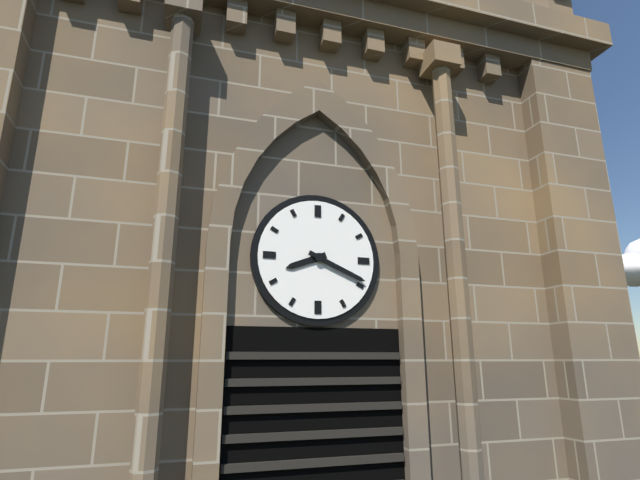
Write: h=8 m=19
